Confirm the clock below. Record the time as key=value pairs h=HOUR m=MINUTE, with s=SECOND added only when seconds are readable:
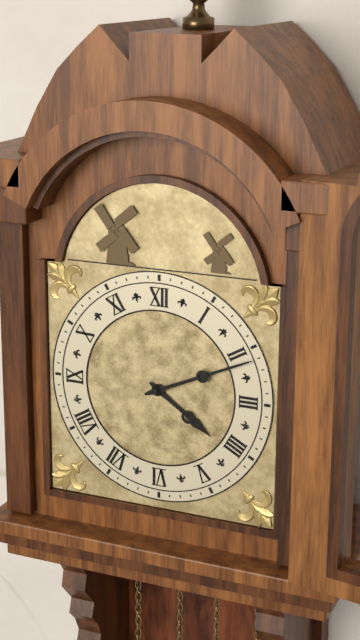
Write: h=4 m=11
